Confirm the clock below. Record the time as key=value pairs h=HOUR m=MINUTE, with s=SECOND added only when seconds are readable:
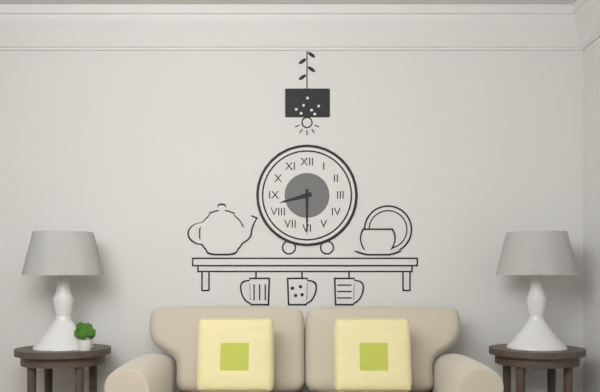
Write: h=8 m=30
